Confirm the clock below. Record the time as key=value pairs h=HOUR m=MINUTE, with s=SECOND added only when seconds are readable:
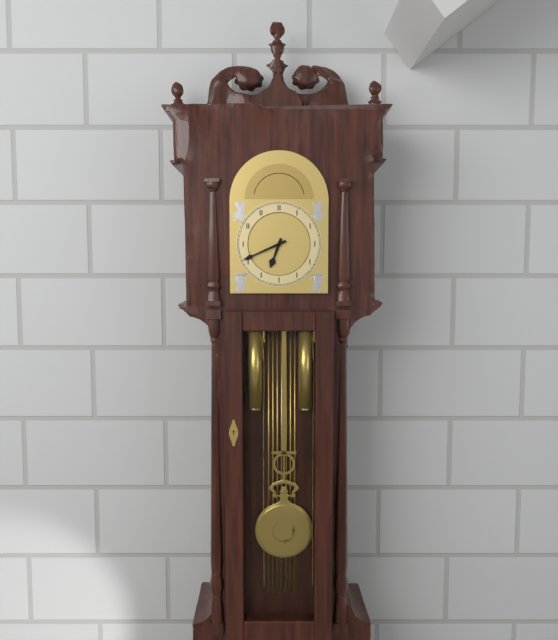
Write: h=6 m=41
